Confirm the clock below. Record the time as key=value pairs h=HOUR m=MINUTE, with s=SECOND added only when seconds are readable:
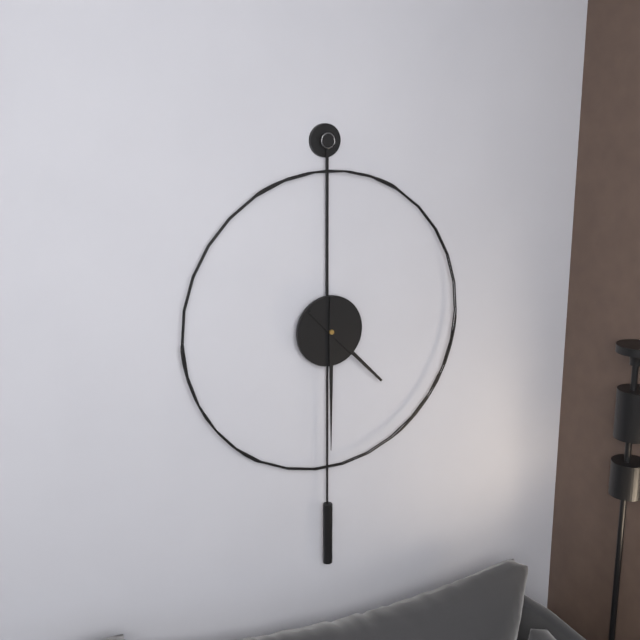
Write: h=4 m=30
